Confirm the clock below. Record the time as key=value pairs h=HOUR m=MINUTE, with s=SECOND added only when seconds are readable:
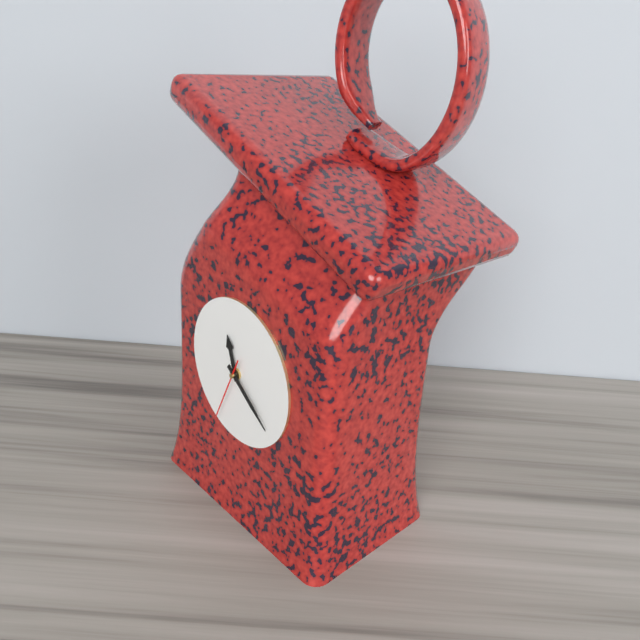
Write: h=11 m=21 s=34
